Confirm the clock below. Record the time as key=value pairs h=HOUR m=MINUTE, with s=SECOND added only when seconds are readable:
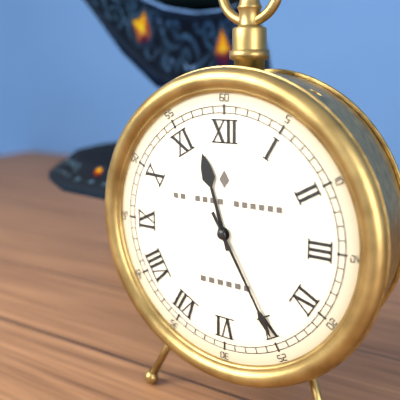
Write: h=11 m=25
